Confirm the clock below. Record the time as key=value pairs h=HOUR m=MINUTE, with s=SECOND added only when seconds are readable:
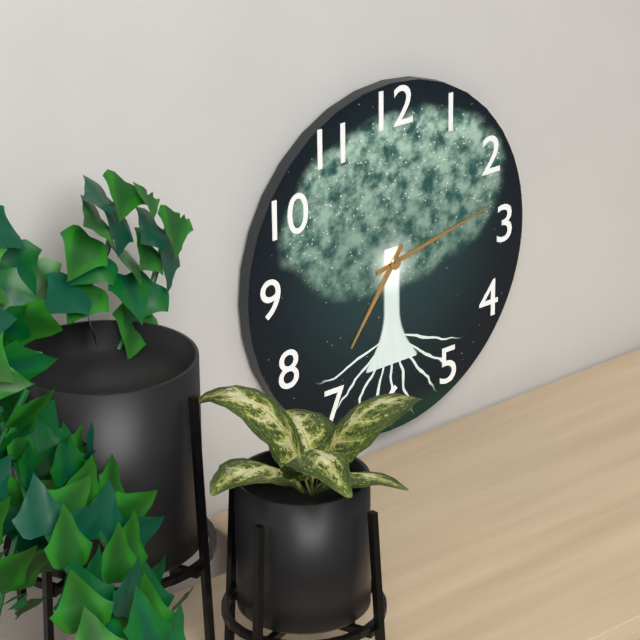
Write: h=7 m=13
